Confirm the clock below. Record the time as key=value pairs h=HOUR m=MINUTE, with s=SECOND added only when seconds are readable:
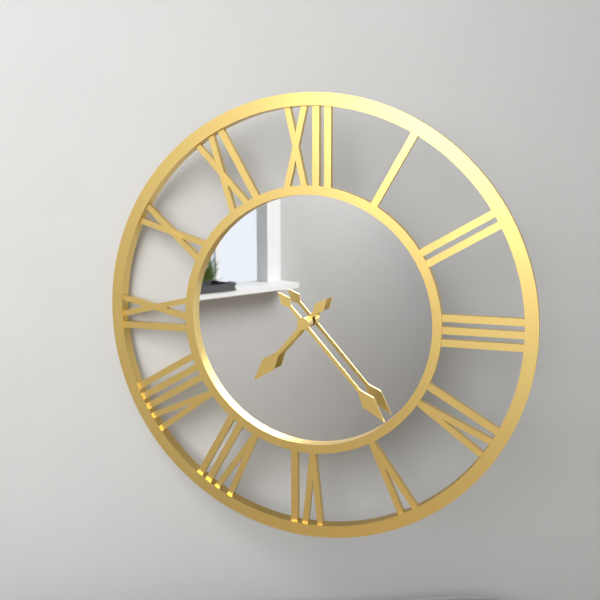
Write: h=7 m=23
